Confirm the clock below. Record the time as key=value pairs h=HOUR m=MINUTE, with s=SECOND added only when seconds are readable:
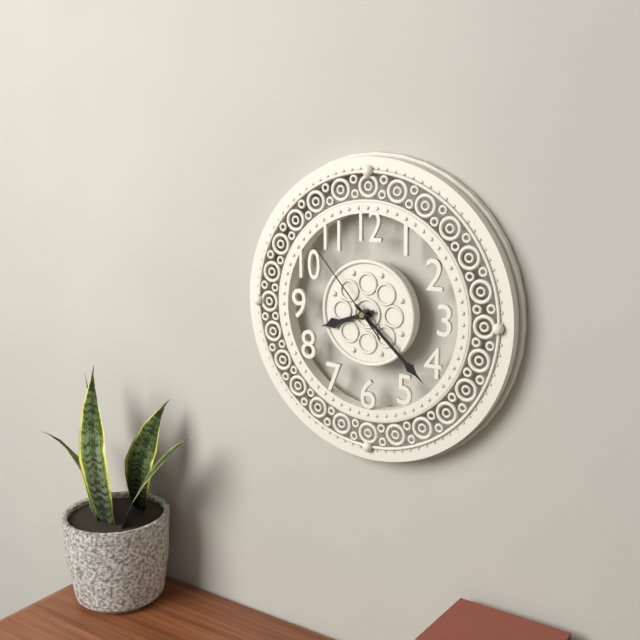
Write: h=8 m=22 s=53
